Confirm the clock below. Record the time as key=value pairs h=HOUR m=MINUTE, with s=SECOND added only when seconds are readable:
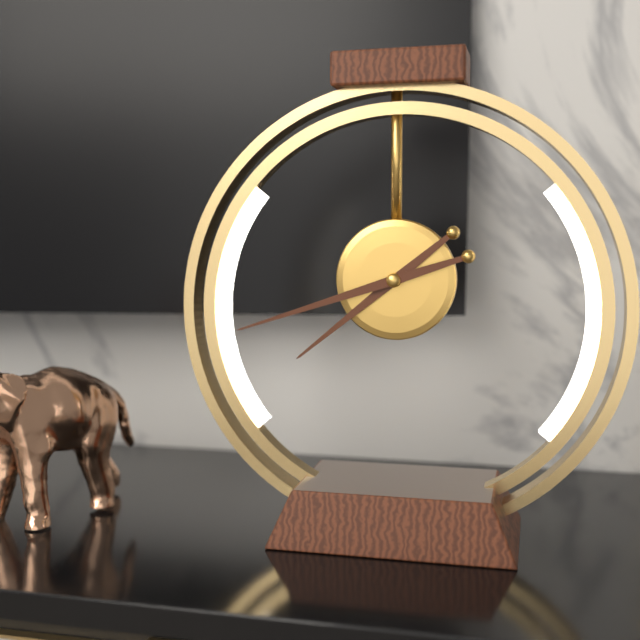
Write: h=7 m=42
